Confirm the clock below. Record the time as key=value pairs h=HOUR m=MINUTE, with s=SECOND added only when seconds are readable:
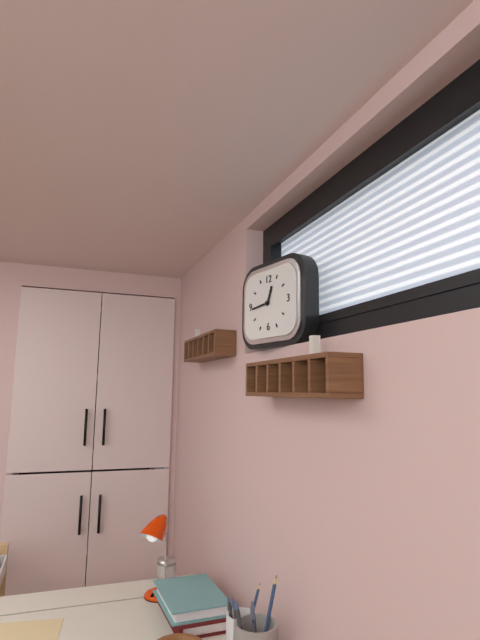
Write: h=12 m=44
